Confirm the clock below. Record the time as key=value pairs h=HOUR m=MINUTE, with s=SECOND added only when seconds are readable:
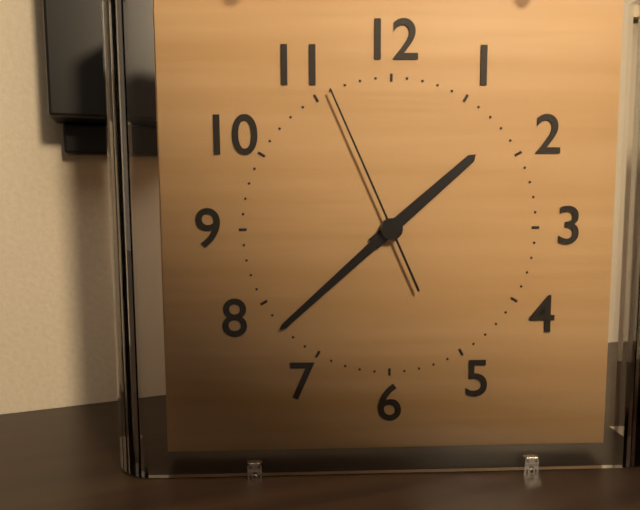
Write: h=1 m=38 s=56
